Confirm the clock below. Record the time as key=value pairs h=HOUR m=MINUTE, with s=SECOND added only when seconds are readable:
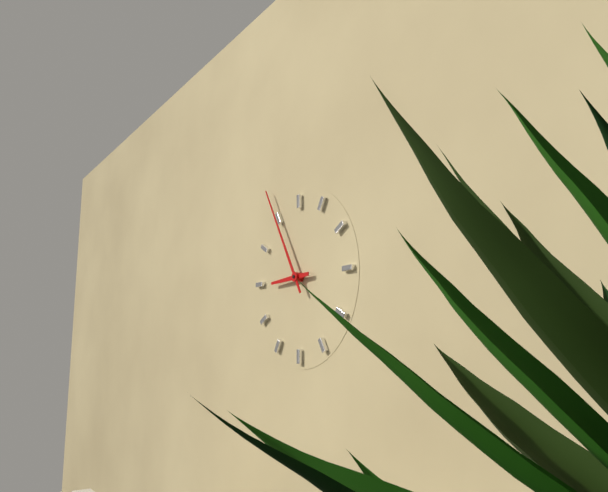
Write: h=8 m=55
